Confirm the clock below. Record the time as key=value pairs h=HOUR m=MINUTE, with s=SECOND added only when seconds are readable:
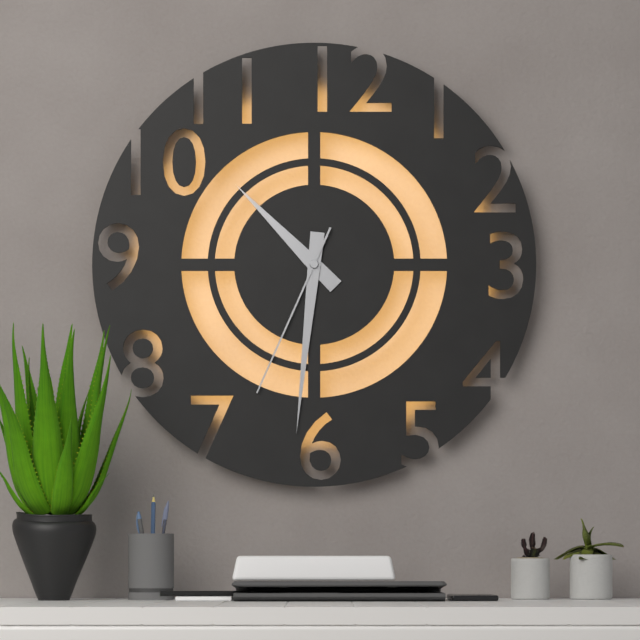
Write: h=10 m=31 s=34
